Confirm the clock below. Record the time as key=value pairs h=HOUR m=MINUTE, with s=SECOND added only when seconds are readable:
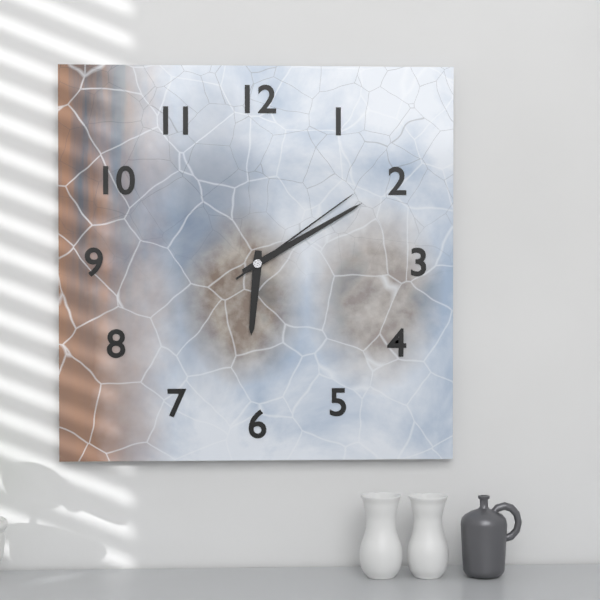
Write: h=6 m=10 s=9
